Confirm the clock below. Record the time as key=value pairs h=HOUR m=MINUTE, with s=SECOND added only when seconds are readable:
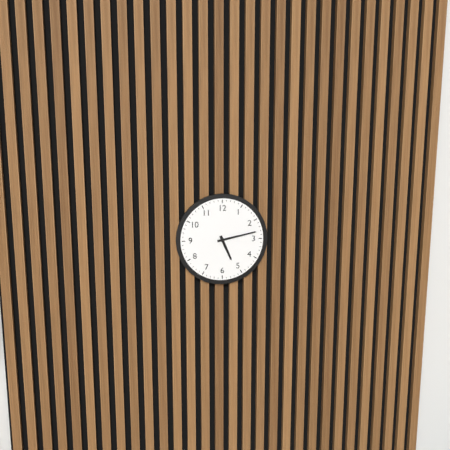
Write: h=5 m=13
